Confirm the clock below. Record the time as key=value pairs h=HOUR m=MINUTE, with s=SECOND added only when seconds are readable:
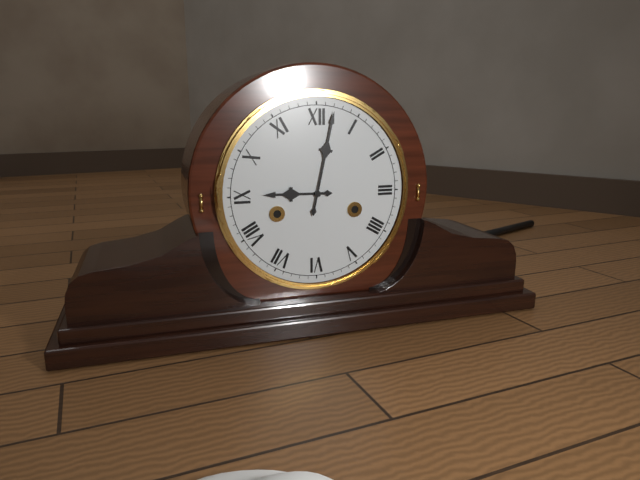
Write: h=9 m=2
